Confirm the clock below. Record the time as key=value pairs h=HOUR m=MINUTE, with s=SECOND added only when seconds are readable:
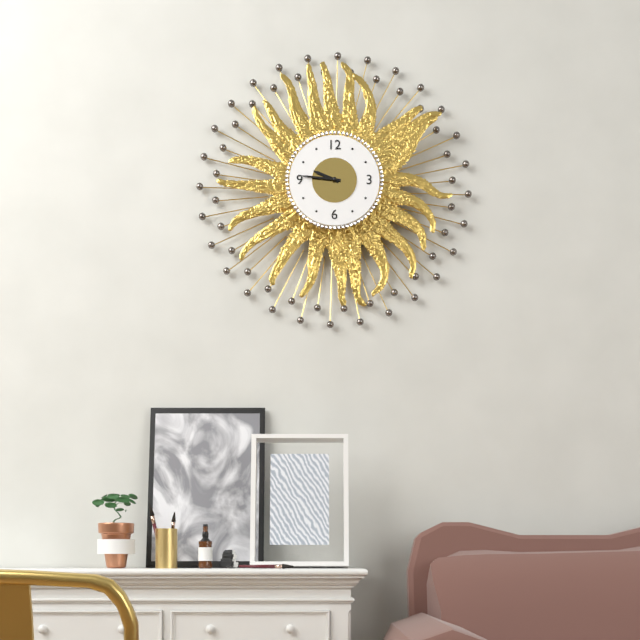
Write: h=9 m=46
